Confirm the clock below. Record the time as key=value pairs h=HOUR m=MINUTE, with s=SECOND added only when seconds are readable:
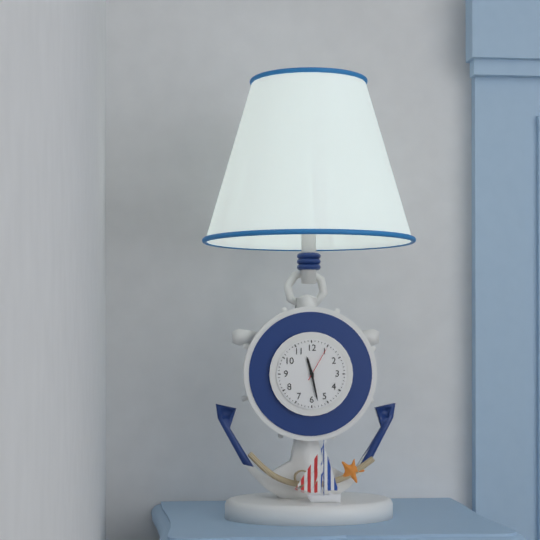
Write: h=11 m=28
